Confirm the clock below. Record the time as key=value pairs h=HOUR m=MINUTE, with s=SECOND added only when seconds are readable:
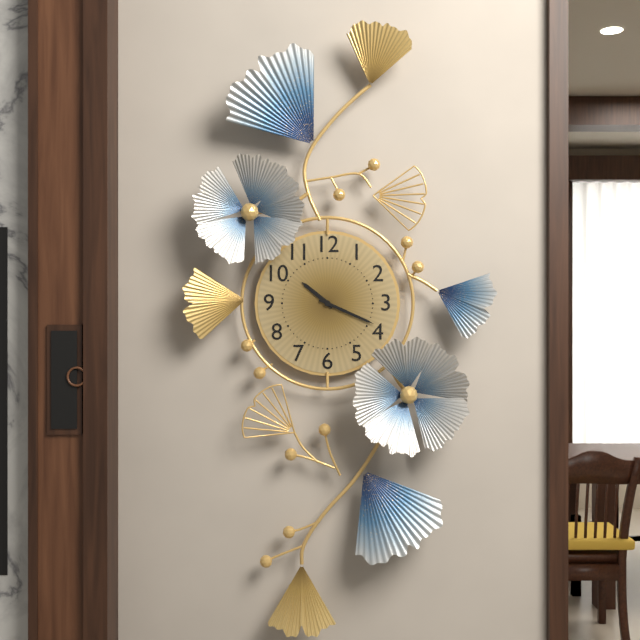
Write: h=10 m=19
